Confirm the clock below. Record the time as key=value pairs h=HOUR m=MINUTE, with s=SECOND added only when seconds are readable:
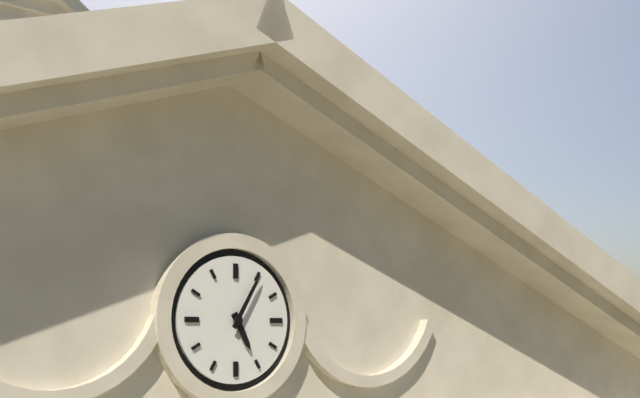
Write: h=5 m=5
